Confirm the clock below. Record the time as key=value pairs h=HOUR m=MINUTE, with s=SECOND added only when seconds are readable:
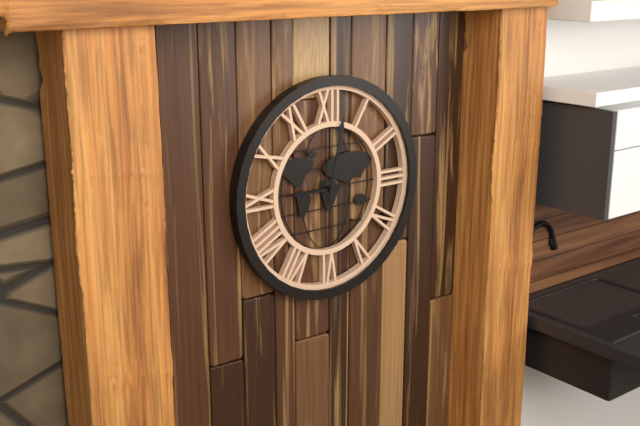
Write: h=9 m=2
